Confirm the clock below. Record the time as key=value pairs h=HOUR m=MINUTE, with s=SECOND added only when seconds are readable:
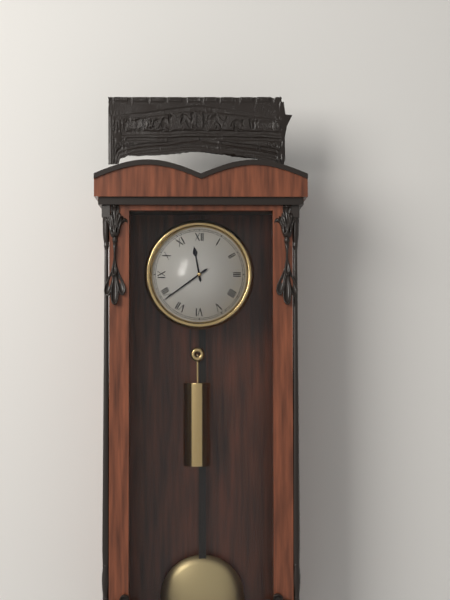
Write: h=11 m=39
